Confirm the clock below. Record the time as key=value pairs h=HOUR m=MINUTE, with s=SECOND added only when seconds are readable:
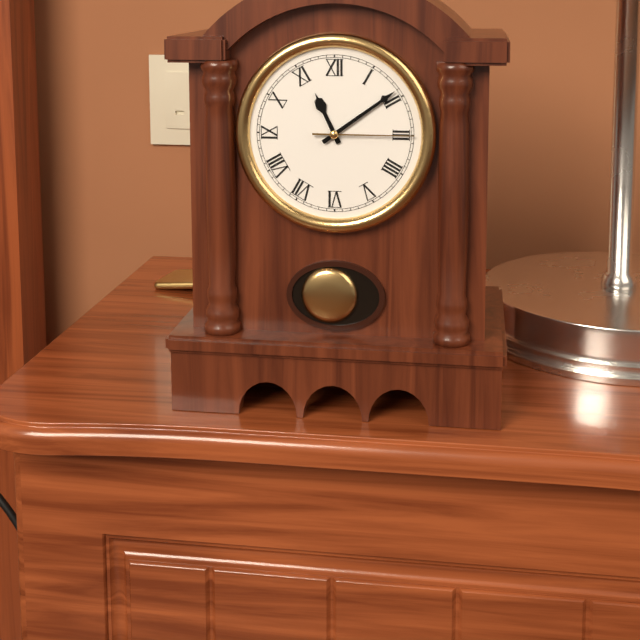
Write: h=11 m=9 s=15
